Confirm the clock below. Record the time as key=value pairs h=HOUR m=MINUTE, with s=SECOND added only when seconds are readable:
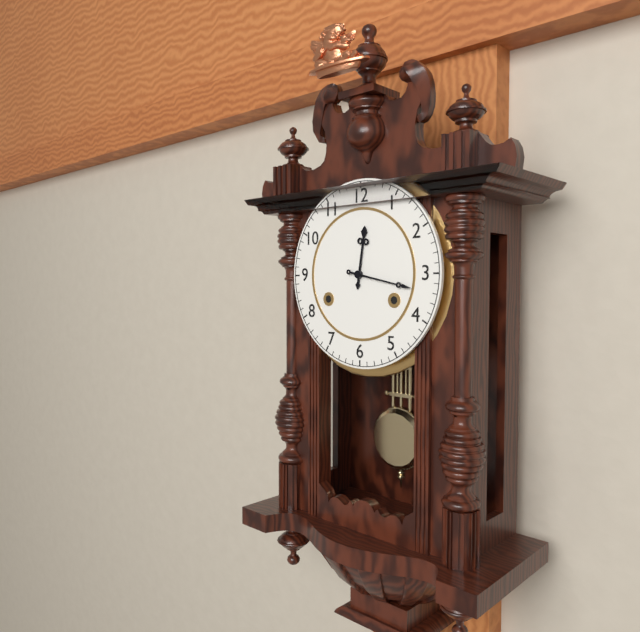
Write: h=12 m=17
